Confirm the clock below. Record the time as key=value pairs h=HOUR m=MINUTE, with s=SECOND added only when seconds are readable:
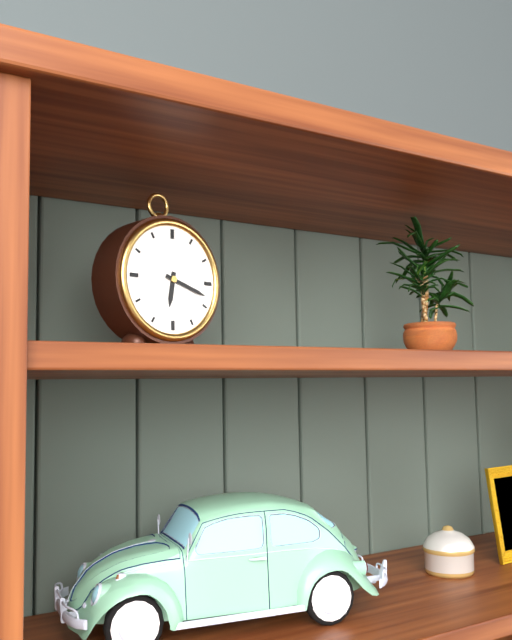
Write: h=6 m=18
